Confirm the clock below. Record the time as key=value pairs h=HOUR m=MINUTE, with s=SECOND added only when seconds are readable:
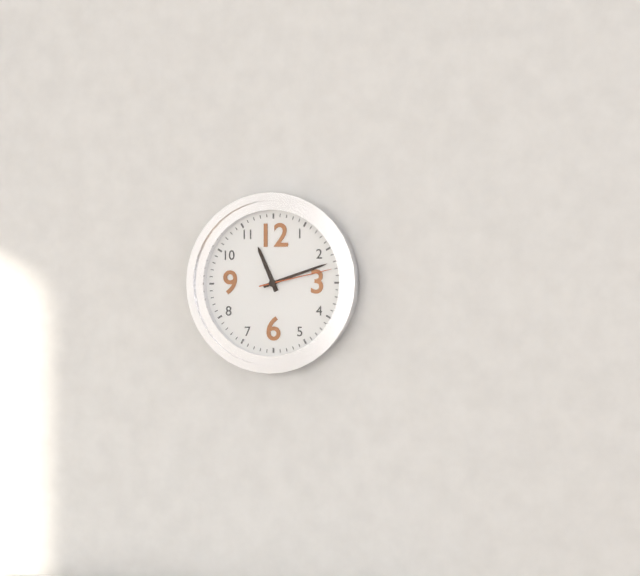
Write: h=11 m=12 s=13
